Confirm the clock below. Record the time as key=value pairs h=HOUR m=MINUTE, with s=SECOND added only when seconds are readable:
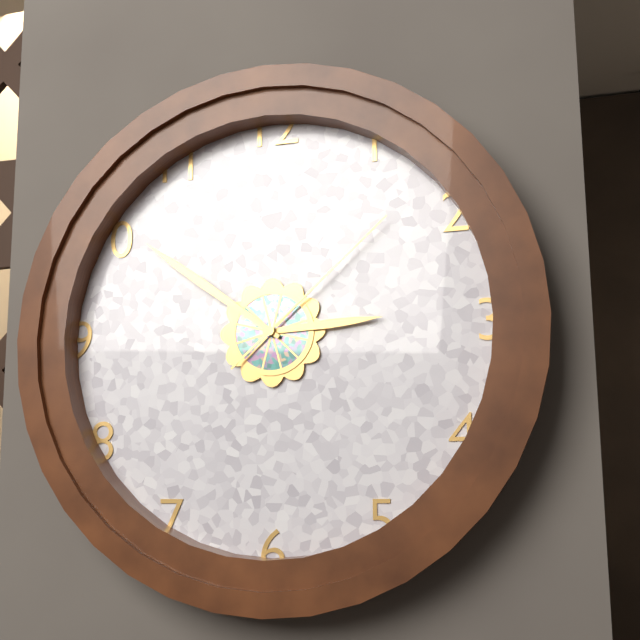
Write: h=2 m=51 s=8
